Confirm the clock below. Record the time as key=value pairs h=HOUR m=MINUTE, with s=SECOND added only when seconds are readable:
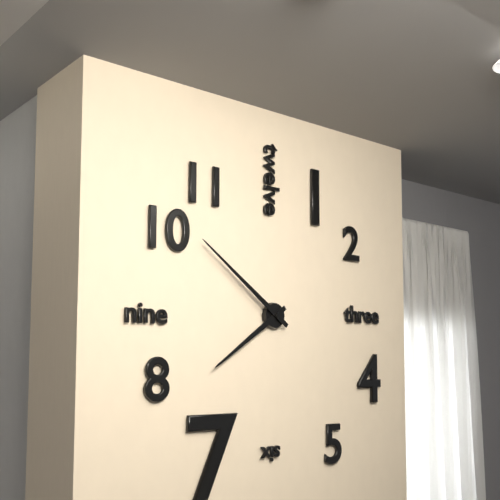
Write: h=7 m=51
